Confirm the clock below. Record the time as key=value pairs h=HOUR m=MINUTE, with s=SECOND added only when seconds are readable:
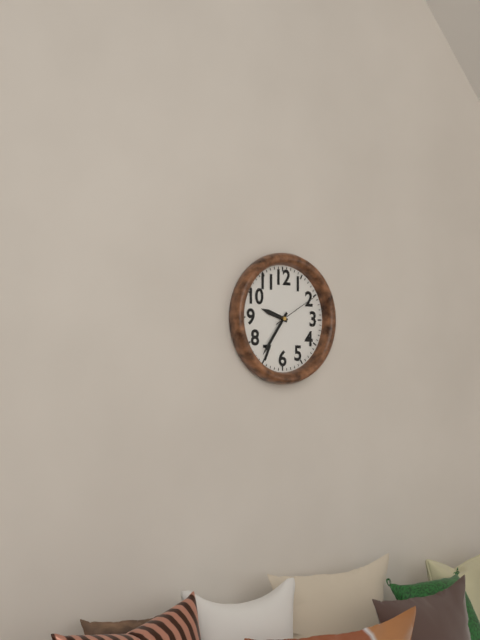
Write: h=9 m=36 s=10
